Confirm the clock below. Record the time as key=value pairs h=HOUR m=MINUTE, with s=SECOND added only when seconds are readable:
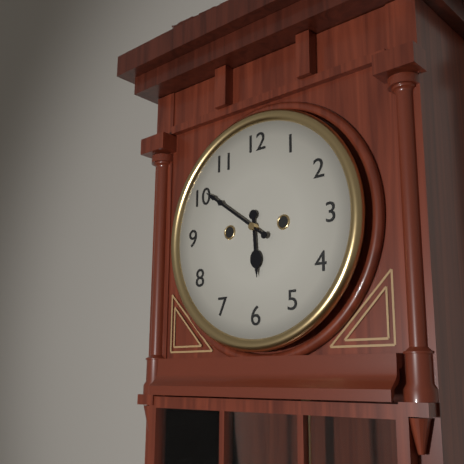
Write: h=5 m=51
